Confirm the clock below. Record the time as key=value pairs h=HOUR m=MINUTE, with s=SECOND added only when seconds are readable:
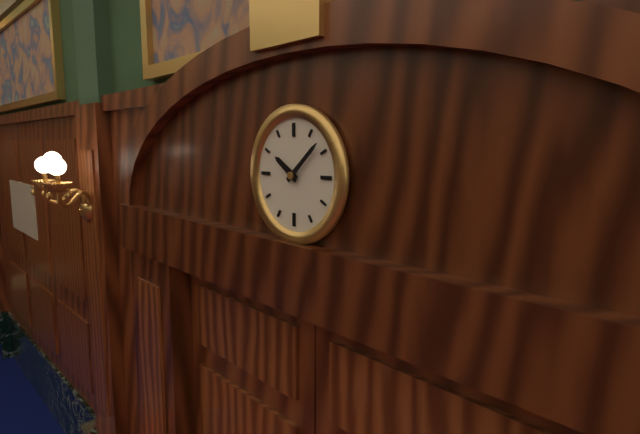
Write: h=10 m=8
